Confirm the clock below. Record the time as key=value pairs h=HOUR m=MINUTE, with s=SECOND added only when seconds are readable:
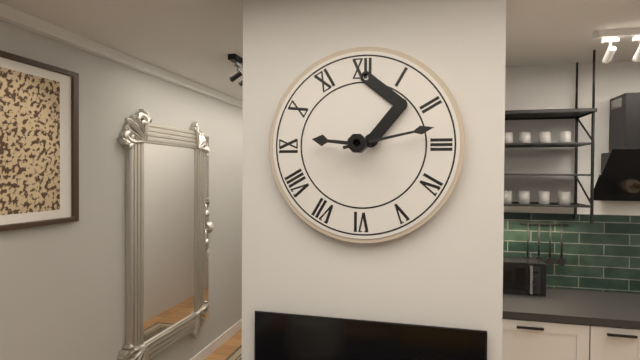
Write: h=9 m=13
